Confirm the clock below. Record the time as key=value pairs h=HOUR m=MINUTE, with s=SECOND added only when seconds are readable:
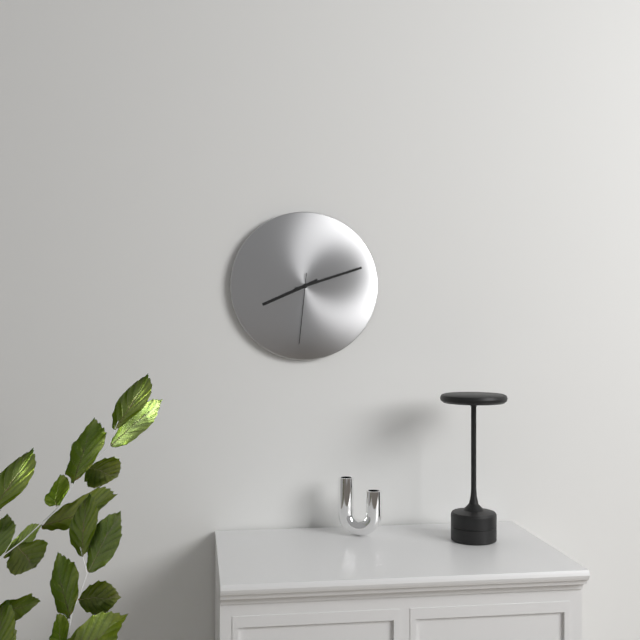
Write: h=8 m=12 s=31
